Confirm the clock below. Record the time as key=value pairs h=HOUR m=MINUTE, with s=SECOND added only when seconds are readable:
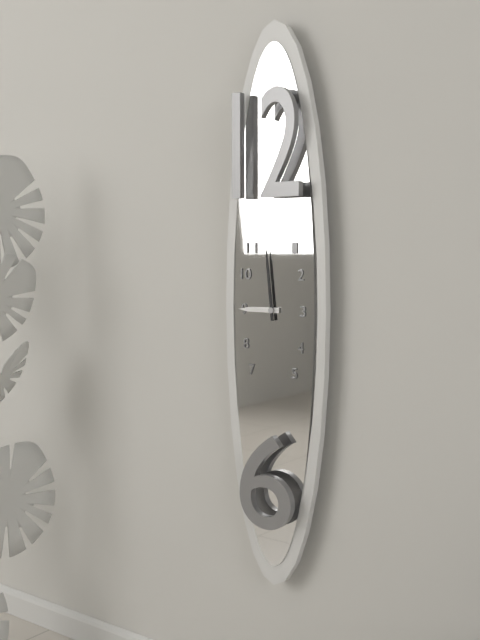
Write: h=8 m=59
